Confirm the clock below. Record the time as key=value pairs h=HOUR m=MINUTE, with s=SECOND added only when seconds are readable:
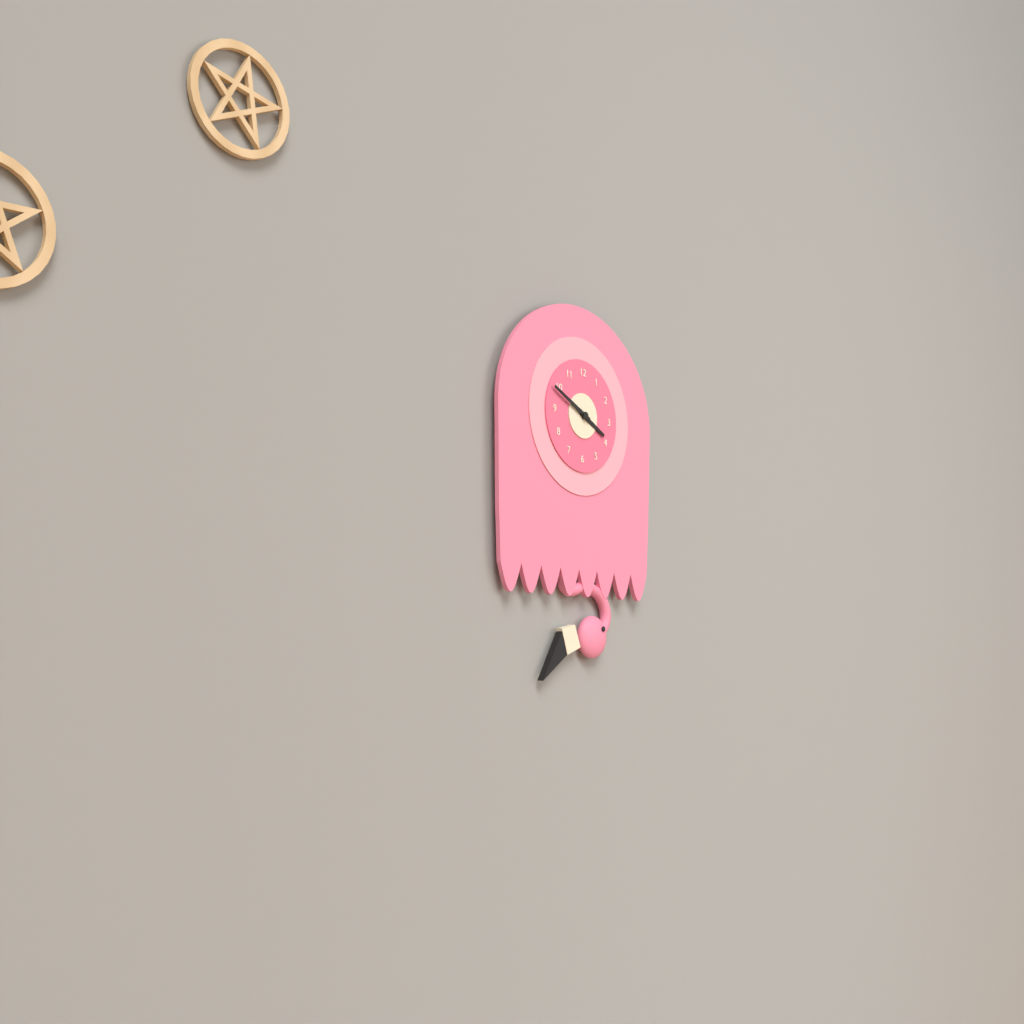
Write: h=3 m=49
